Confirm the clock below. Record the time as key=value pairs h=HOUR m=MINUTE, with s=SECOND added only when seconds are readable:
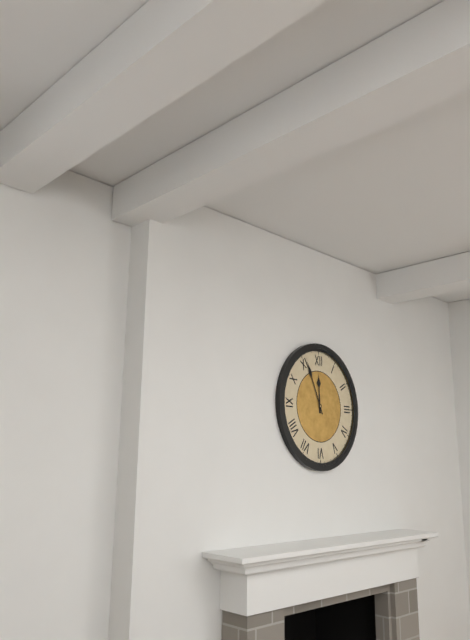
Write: h=11 m=56
